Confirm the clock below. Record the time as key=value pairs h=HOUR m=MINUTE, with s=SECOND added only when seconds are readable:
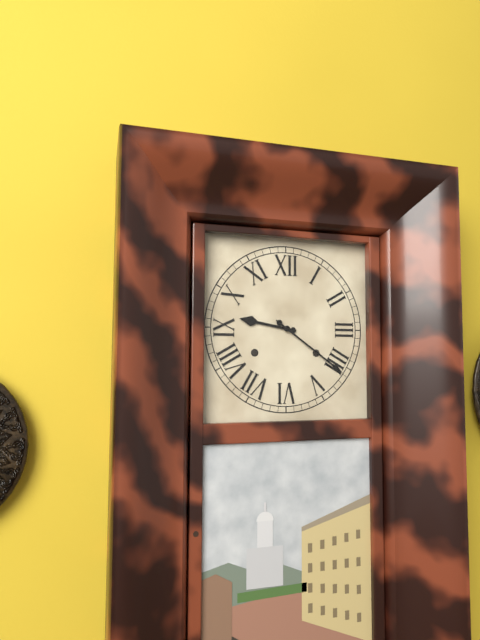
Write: h=9 m=21
